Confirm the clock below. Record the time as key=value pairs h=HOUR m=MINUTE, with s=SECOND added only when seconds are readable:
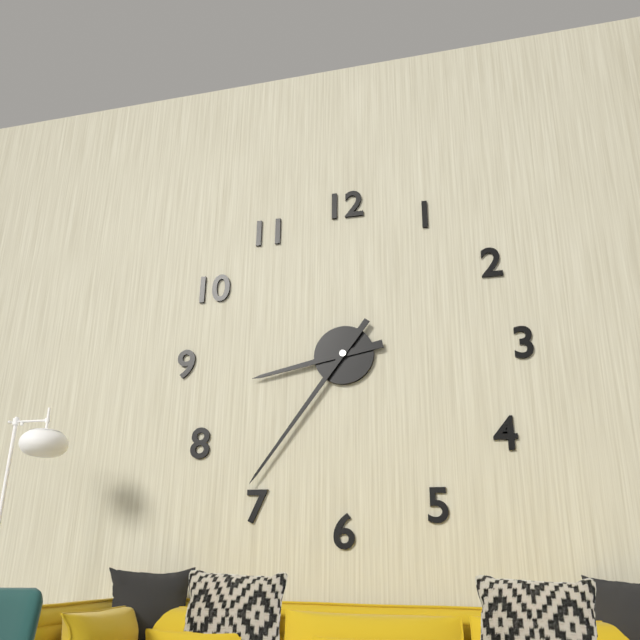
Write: h=8 m=36
